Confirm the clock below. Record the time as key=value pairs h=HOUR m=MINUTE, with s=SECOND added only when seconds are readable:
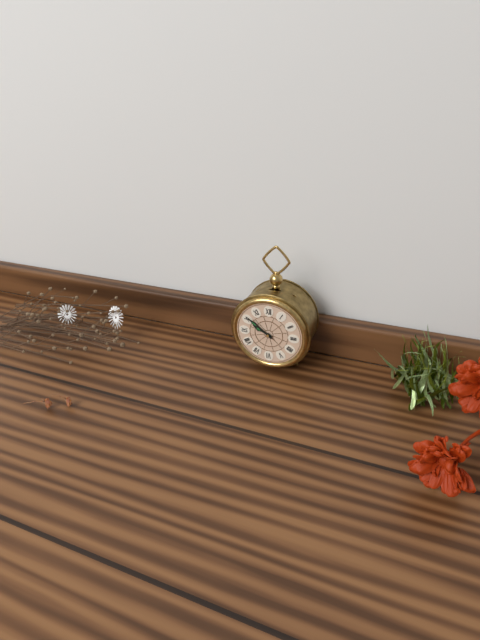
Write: h=9 m=51
